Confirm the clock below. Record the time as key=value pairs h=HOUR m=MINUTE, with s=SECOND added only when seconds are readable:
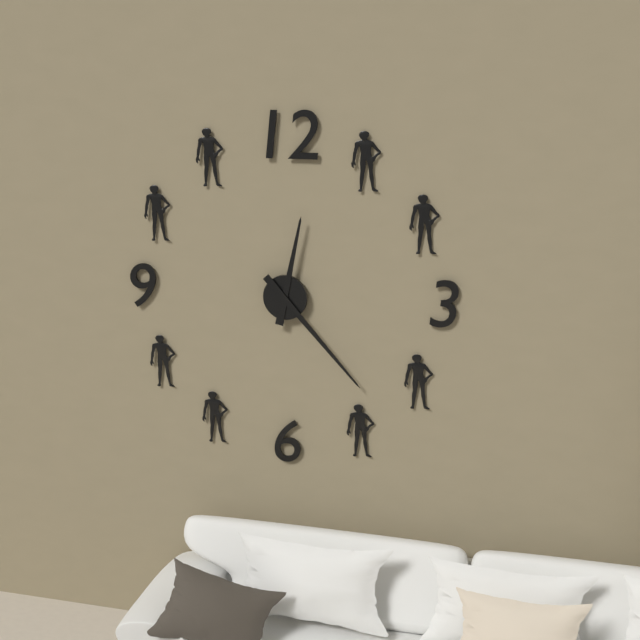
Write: h=12 m=23
